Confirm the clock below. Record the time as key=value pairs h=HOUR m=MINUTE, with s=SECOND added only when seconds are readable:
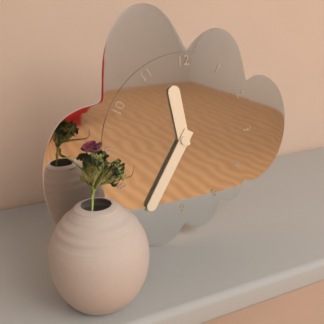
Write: h=11 m=35
